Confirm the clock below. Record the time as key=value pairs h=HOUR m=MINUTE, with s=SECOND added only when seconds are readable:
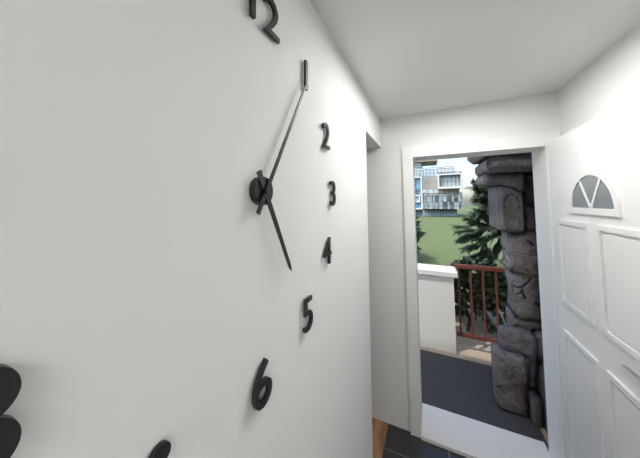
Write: h=5 m=5
